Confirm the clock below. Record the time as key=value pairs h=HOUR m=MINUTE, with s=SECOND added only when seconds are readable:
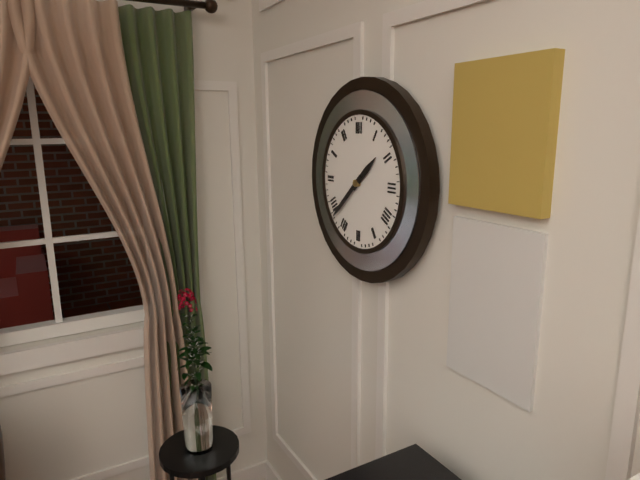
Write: h=1 m=38
